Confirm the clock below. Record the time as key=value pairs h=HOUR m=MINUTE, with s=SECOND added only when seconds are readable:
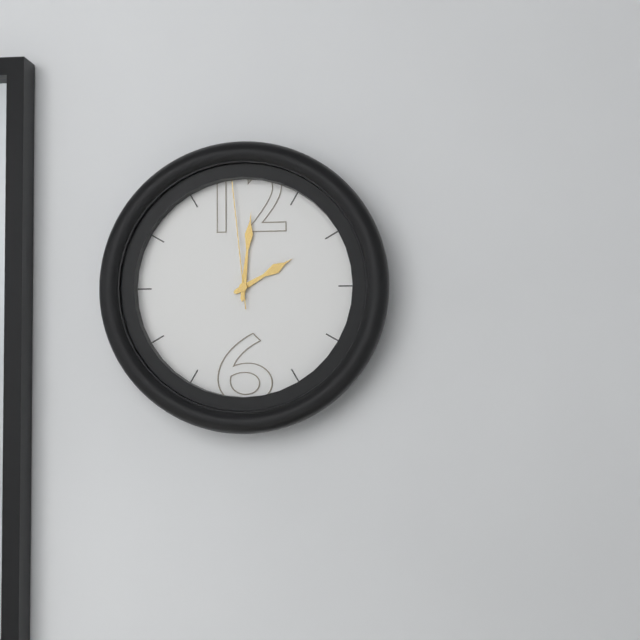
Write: h=2 m=1 s=59
